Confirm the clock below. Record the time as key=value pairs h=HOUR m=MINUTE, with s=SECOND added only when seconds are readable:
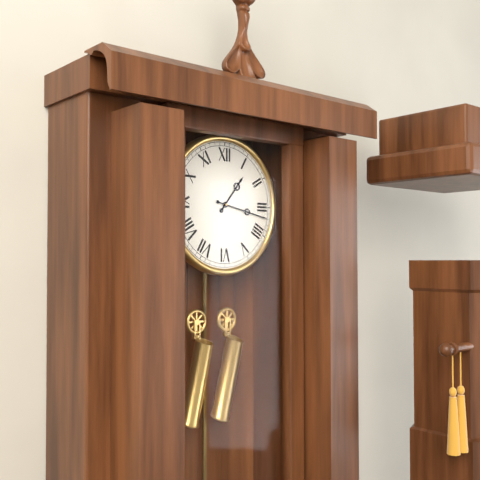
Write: h=1 m=17
